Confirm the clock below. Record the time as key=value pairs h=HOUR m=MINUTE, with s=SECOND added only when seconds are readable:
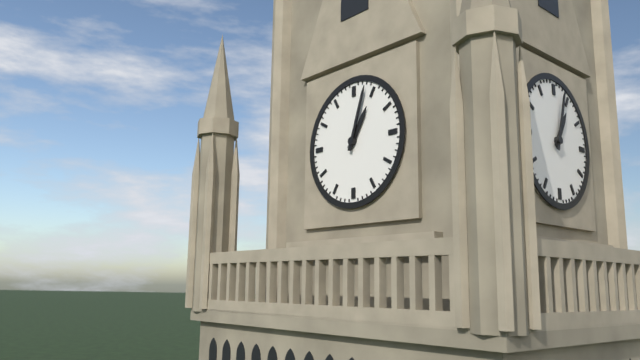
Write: h=1 m=3
